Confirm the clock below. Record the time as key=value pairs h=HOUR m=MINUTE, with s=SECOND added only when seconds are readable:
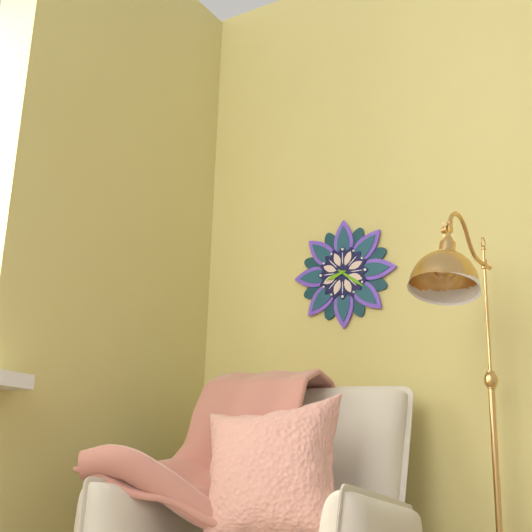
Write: h=8 m=21
